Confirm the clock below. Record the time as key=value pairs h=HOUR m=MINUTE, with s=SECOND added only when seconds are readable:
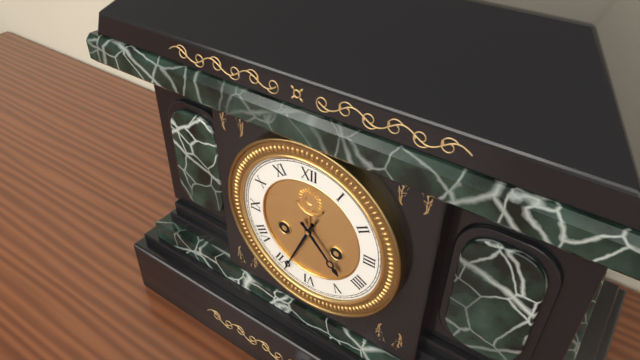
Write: h=4 m=34
